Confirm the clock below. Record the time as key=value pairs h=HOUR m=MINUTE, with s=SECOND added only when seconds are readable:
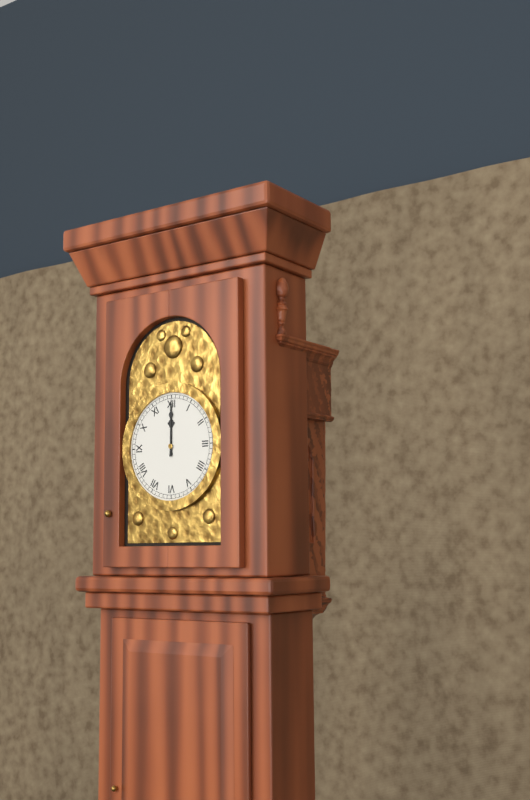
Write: h=12 m=0
